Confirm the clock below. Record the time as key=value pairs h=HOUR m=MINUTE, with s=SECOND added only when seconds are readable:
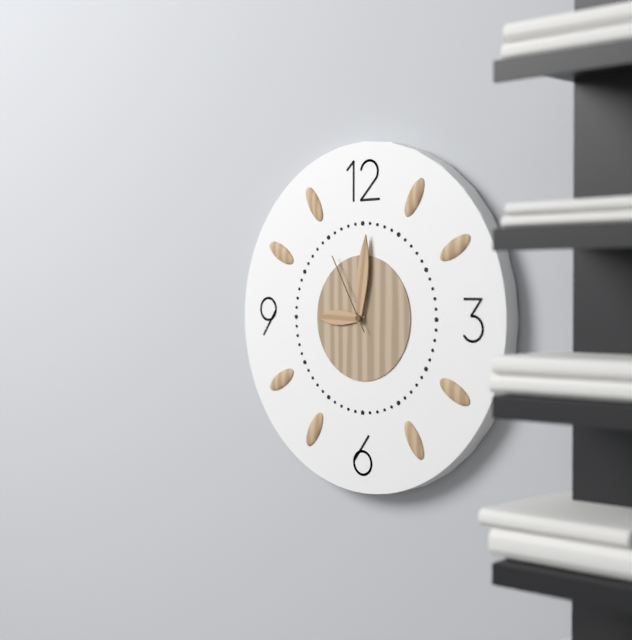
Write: h=9 m=1 s=55
